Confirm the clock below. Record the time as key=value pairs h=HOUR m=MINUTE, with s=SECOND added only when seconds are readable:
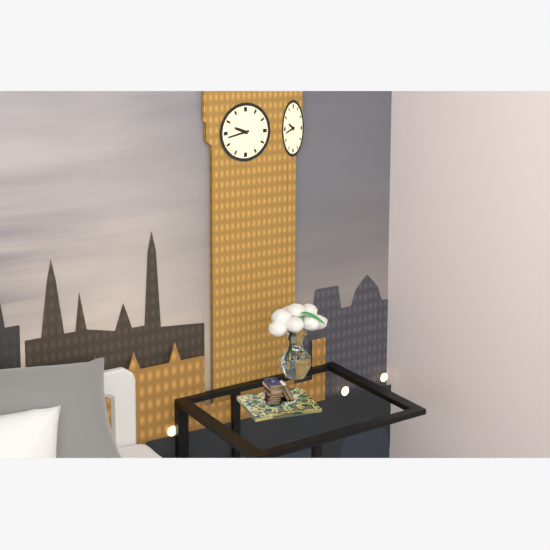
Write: h=9 m=43
